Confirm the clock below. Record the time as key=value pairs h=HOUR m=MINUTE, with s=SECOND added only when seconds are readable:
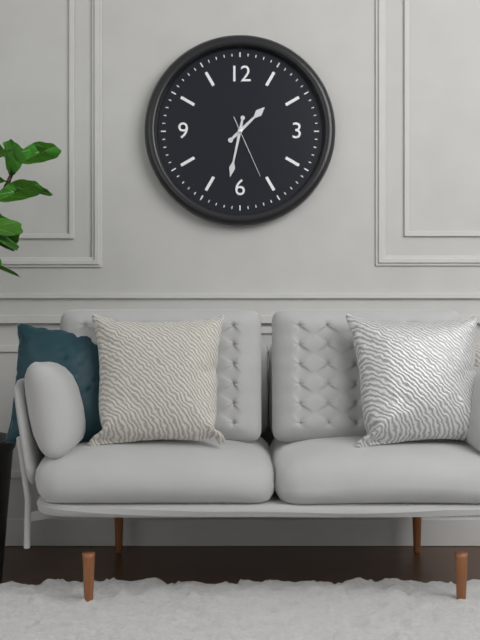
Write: h=1 m=32 s=26
